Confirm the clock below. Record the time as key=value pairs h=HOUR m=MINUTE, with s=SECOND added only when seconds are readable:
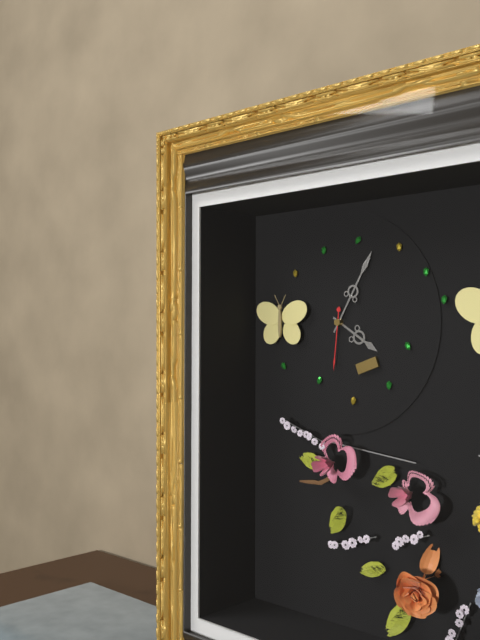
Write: h=4 m=5 s=31
